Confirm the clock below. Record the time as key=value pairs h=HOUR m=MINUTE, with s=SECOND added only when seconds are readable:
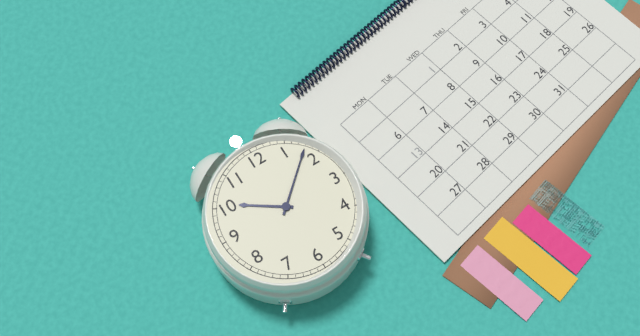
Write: h=10 m=8
